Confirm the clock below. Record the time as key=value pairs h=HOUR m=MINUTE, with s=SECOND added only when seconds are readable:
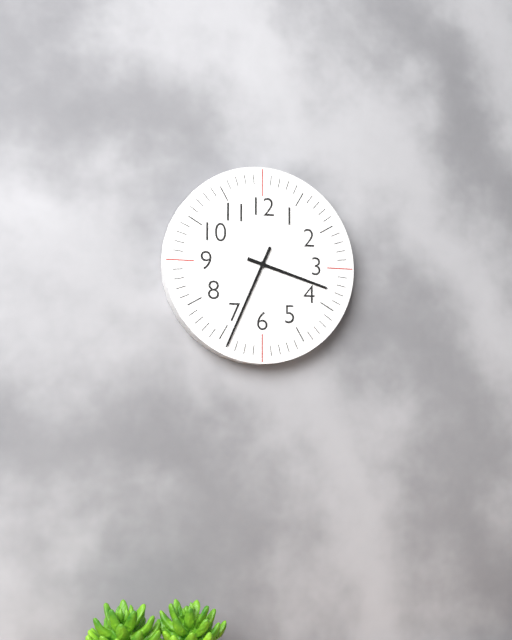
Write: h=3 m=34
